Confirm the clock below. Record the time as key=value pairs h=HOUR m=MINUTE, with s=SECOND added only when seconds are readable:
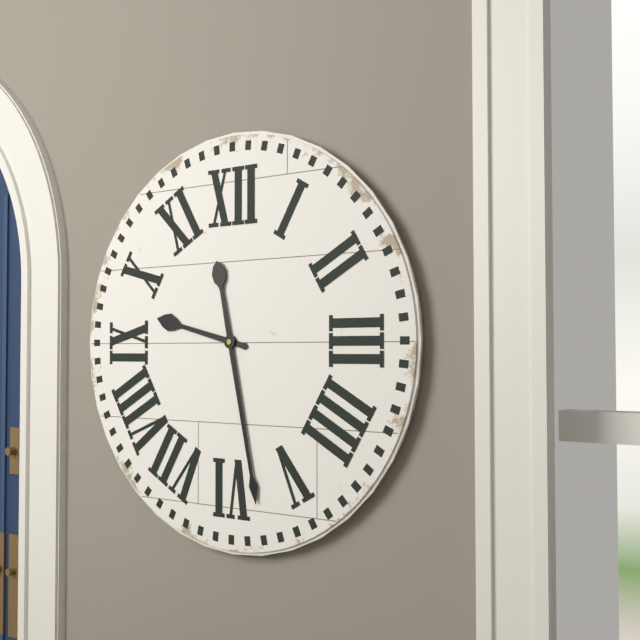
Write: h=9 m=28
